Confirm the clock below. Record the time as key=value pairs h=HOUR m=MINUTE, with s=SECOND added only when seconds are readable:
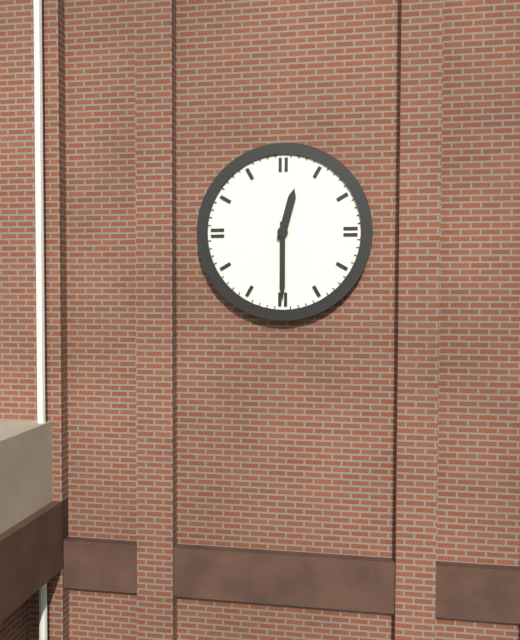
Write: h=12 m=30
